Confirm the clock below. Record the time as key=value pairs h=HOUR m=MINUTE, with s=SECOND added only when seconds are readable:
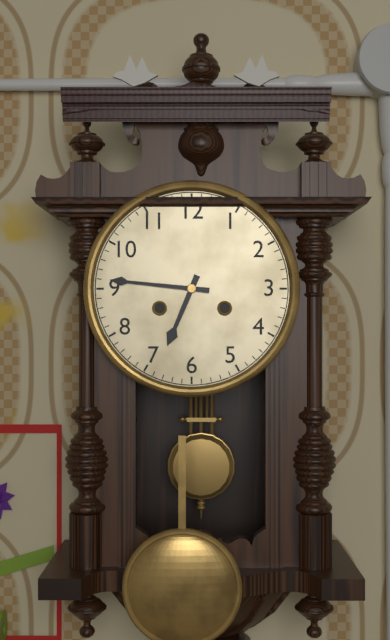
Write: h=6 m=46
